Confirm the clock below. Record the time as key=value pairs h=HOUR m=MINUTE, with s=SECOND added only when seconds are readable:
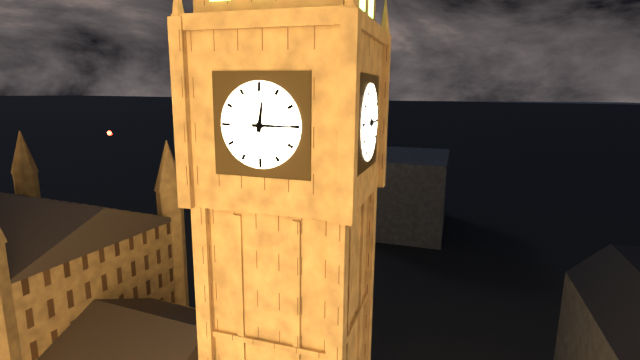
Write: h=12 m=15
